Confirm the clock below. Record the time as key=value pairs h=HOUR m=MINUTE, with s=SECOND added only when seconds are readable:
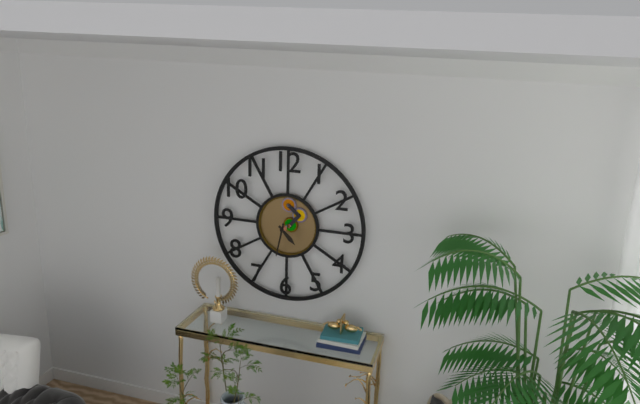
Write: h=4 m=32
